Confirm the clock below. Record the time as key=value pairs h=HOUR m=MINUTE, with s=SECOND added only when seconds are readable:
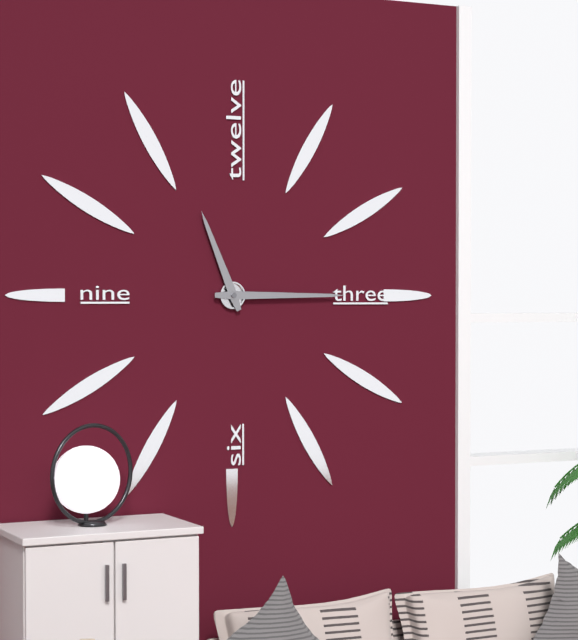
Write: h=11 m=15
